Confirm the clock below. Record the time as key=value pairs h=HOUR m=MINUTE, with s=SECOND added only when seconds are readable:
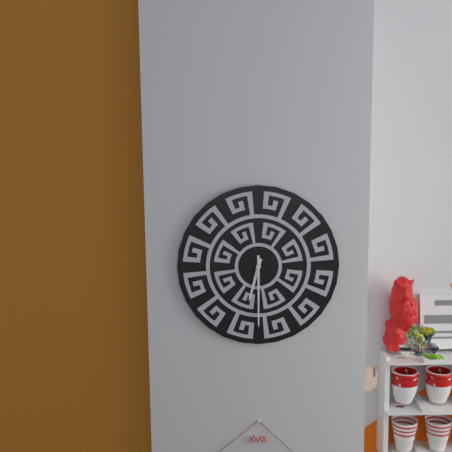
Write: h=6 m=30
